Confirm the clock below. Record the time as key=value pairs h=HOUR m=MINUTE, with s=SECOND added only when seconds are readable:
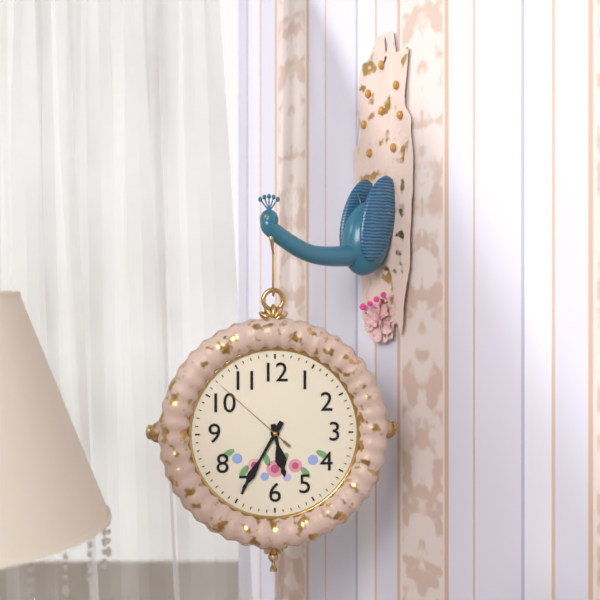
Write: h=5 m=35 s=52
